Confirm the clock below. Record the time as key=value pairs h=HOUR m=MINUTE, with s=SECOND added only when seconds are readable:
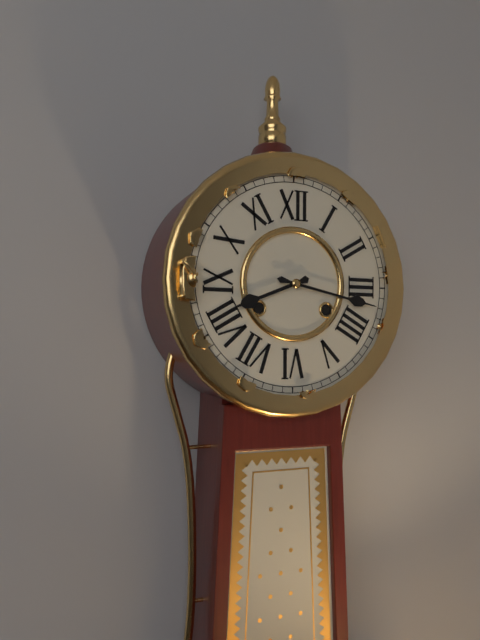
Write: h=8 m=17
